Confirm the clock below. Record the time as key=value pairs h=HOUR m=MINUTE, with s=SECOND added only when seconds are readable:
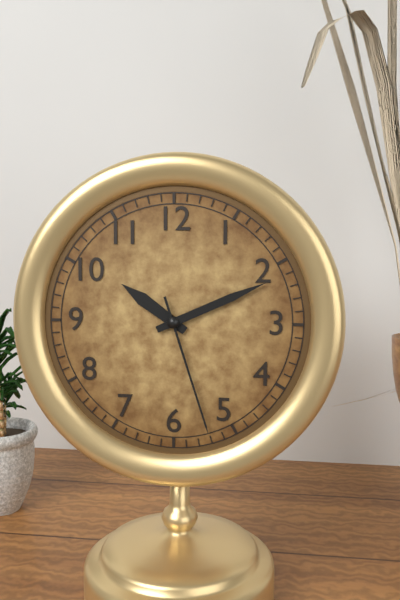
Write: h=10 m=11 s=27
